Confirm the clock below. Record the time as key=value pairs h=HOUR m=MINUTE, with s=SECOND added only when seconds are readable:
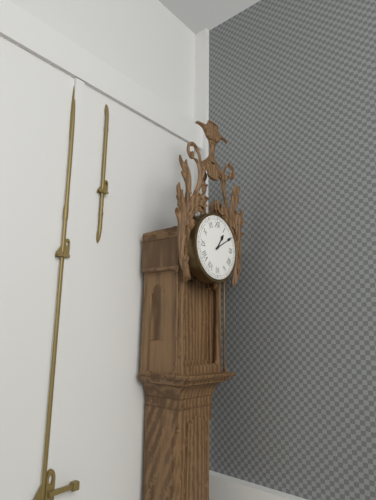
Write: h=1 m=10
